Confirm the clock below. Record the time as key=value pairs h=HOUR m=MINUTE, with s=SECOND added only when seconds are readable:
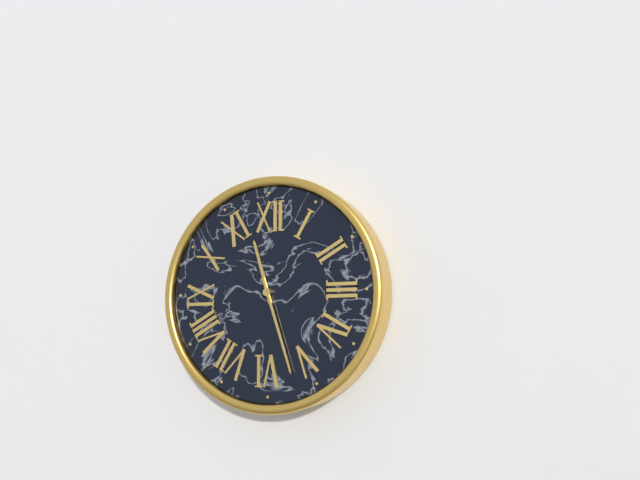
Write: h=11 m=27
